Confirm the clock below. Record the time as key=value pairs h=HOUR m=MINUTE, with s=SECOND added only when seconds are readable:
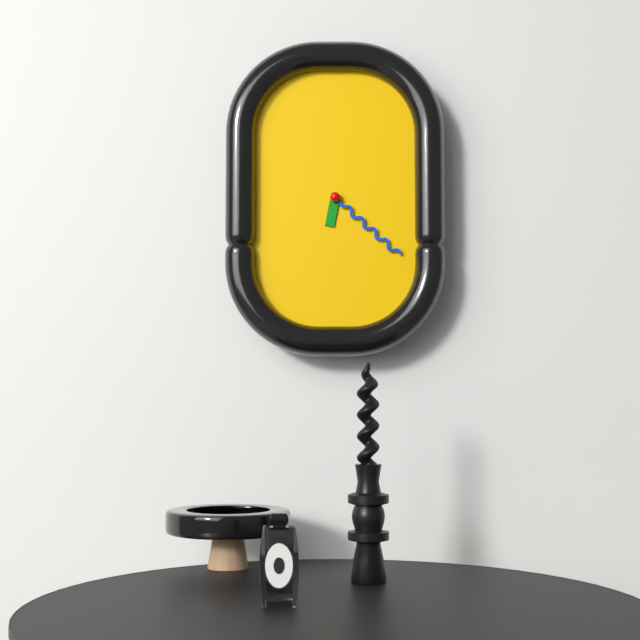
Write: h=6 m=22
